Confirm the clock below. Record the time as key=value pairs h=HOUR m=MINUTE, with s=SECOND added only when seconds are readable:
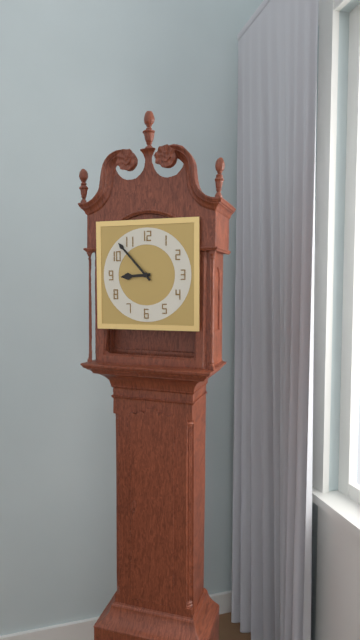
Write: h=8 m=53
